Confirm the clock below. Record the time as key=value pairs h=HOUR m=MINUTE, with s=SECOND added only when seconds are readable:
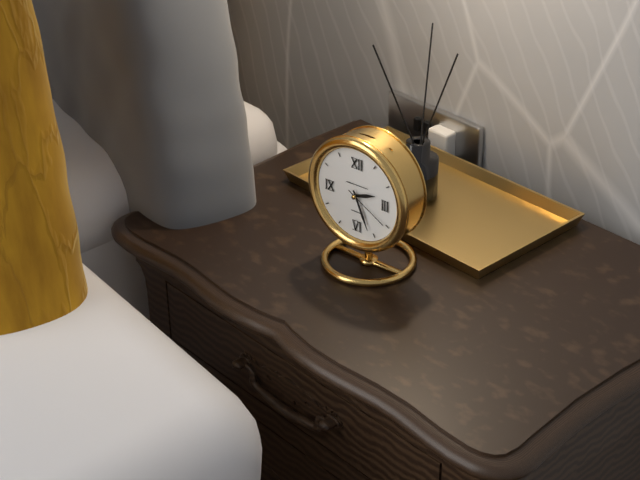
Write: h=2 m=26 s=20
